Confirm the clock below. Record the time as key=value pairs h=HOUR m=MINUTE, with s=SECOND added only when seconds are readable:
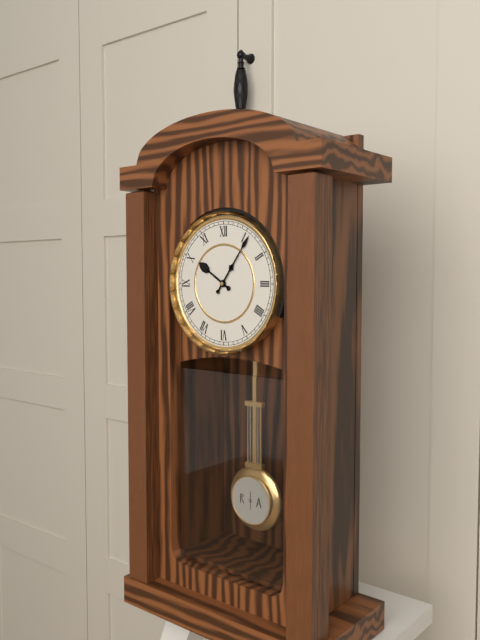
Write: h=10 m=6
